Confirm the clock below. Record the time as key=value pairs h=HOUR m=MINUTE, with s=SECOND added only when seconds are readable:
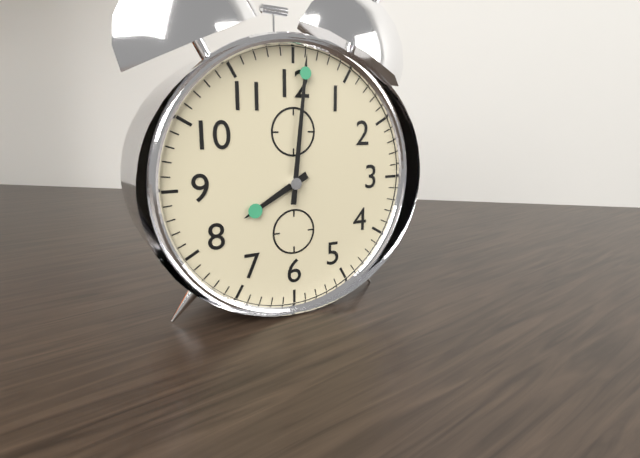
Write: h=8 m=1
